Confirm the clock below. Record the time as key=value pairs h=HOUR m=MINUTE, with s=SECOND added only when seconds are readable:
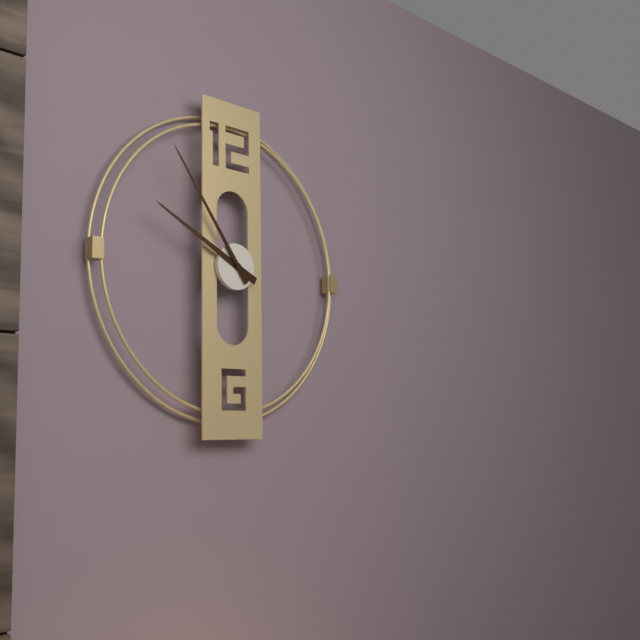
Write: h=9 m=54
